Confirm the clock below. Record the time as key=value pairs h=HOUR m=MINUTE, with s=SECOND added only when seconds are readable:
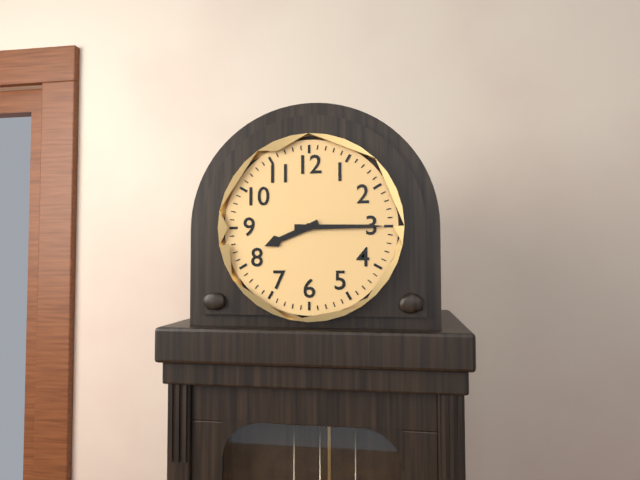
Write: h=8 m=15
